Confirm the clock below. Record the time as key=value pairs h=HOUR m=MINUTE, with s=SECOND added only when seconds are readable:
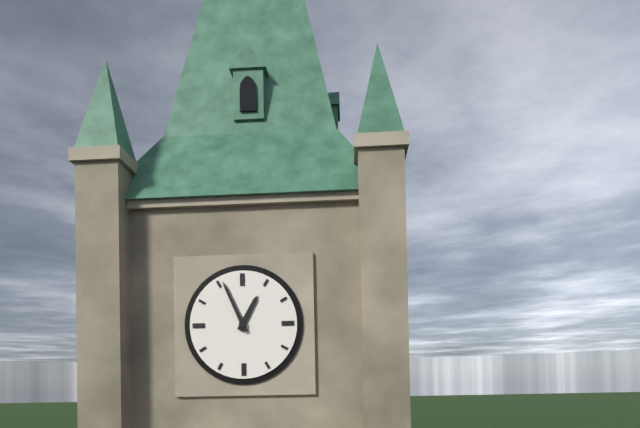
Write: h=12 m=56
